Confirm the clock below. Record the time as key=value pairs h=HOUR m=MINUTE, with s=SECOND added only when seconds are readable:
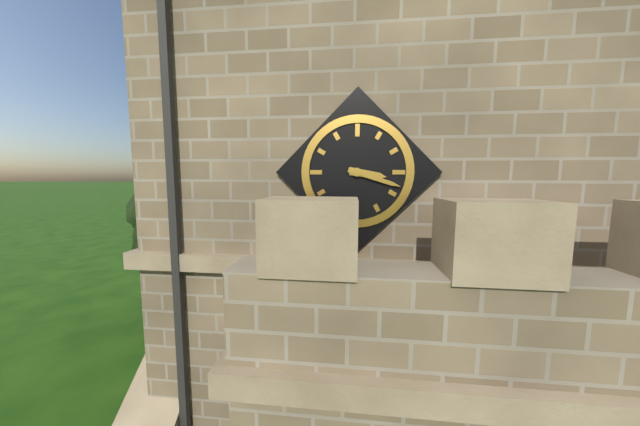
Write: h=3 m=18
